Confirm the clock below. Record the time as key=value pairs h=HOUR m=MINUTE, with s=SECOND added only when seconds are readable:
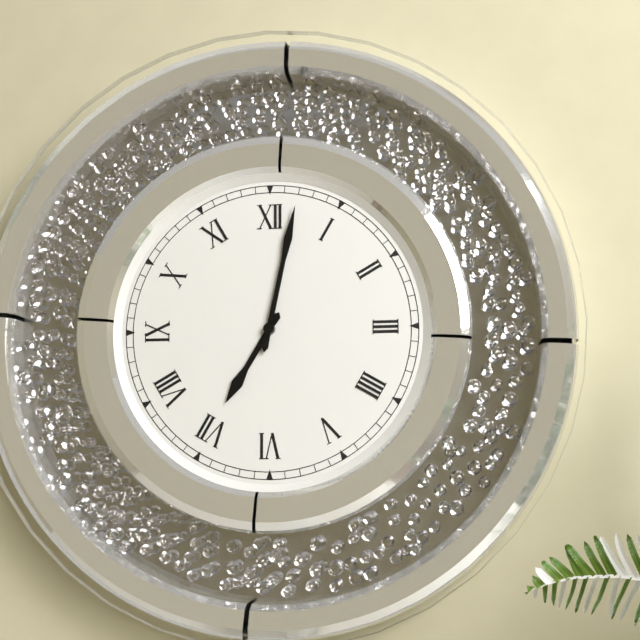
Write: h=7 m=2
